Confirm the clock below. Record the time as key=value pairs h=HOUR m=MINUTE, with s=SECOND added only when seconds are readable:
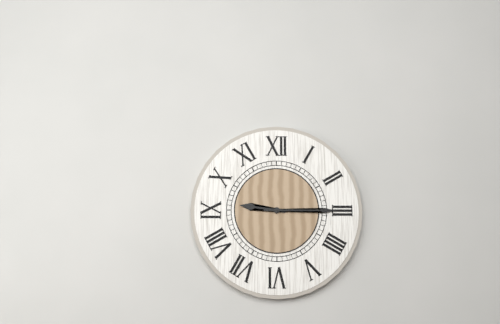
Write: h=9 m=15
